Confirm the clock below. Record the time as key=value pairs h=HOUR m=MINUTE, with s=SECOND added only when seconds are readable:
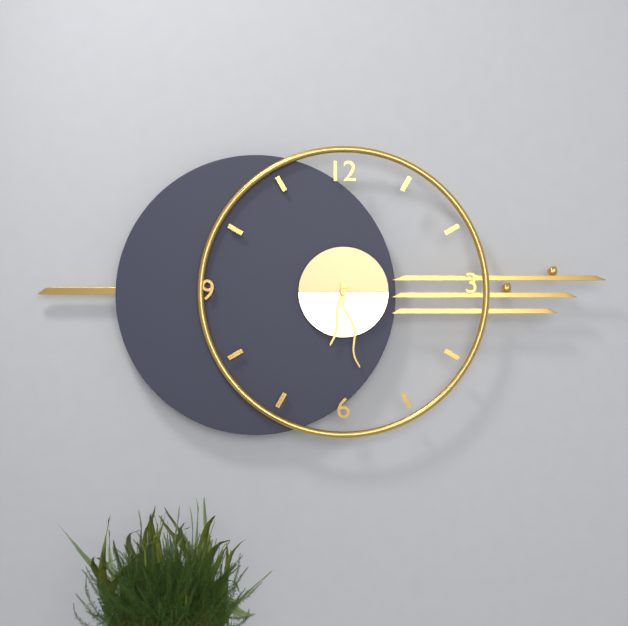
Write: h=6 m=28
